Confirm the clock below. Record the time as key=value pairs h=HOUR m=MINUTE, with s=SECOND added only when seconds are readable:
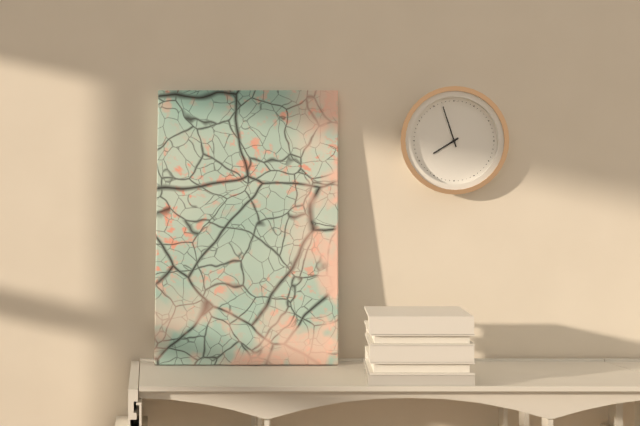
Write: h=7 m=57
